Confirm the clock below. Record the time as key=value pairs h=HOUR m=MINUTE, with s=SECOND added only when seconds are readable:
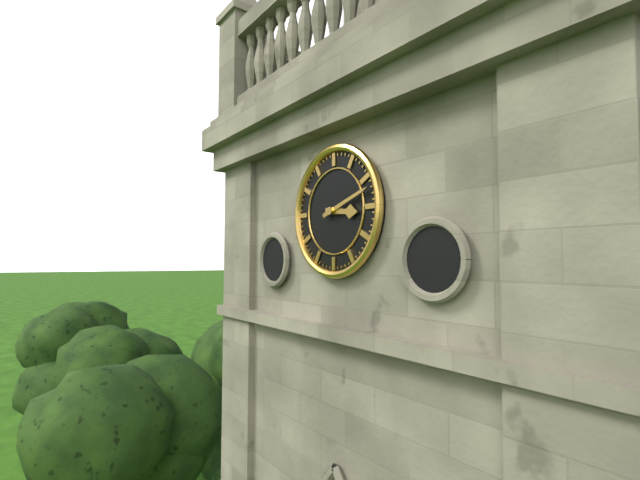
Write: h=3 m=12
